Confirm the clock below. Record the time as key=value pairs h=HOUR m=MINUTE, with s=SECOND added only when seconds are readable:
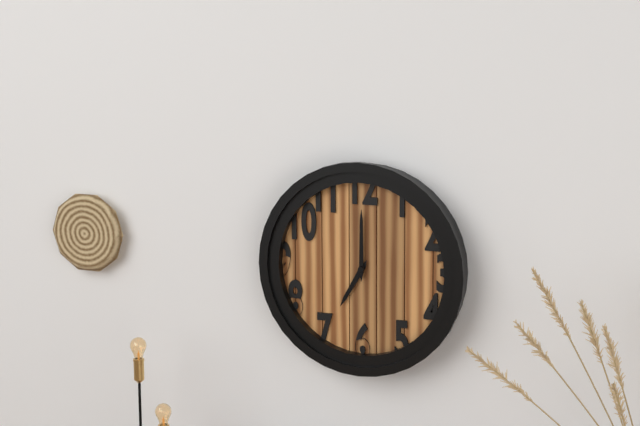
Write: h=7 m=0
